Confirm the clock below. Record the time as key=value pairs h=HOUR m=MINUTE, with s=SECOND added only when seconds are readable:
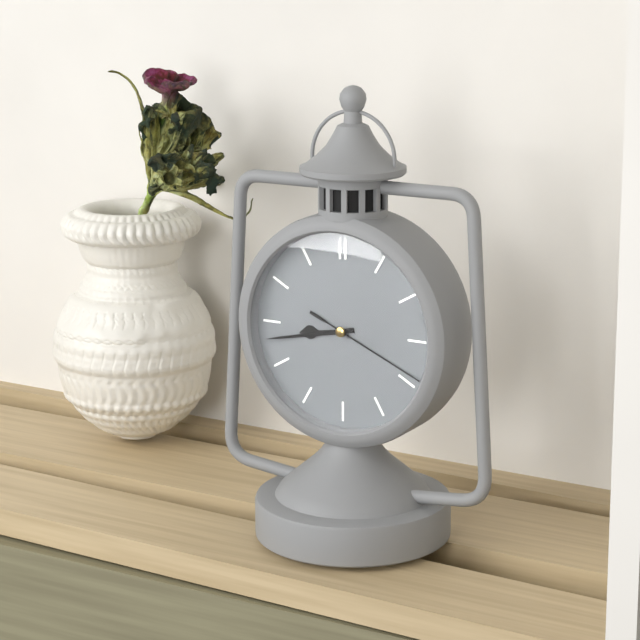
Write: h=8 m=43 s=19
